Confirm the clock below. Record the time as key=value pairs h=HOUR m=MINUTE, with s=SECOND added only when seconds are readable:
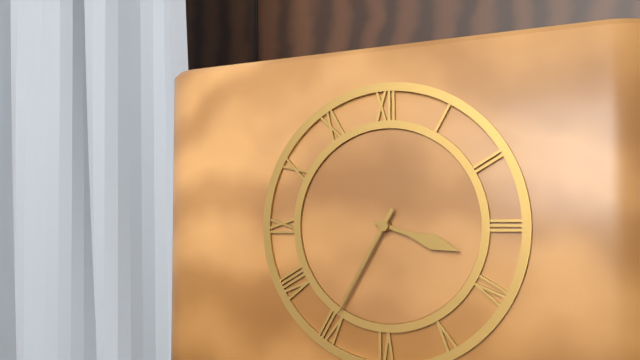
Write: h=3 m=35
